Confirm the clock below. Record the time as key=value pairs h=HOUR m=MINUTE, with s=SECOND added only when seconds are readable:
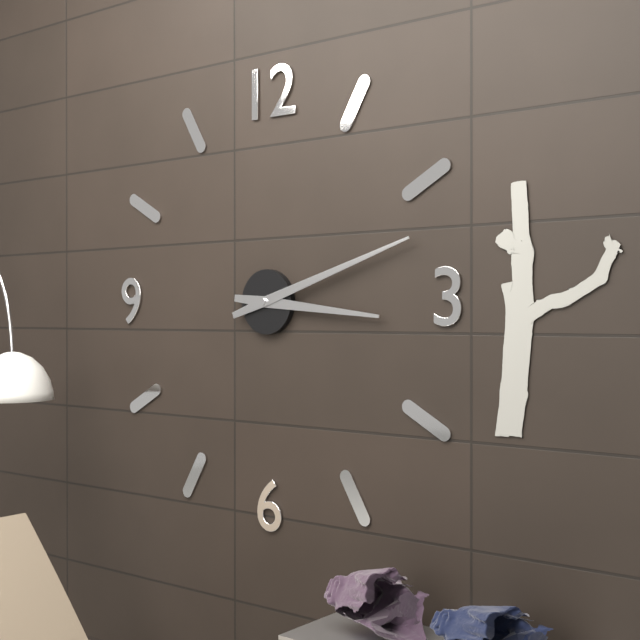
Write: h=3 m=12
